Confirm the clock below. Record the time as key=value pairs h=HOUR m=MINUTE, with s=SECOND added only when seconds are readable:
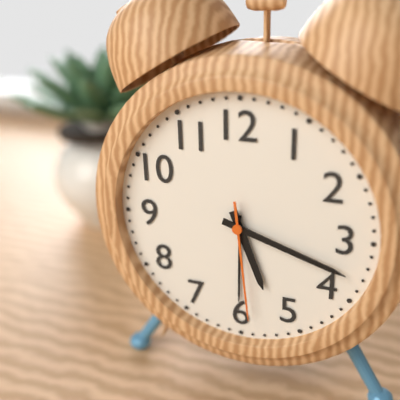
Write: h=5 m=18 s=29
